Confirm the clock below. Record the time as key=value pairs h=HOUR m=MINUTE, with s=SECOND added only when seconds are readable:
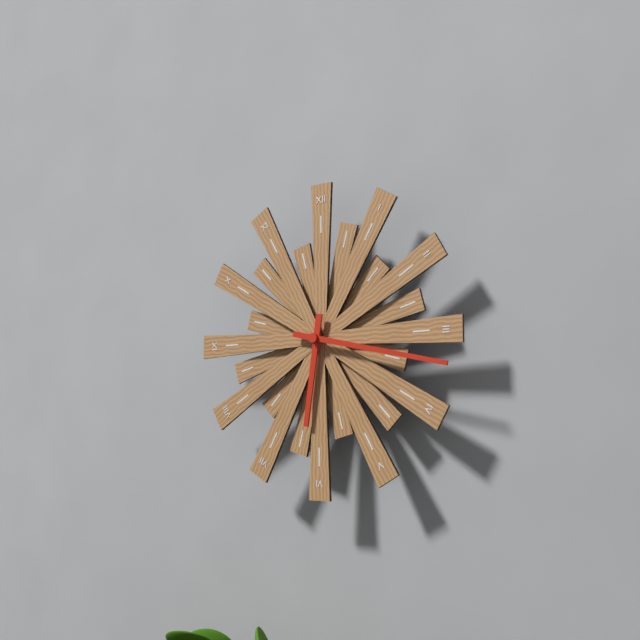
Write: h=6 m=17
